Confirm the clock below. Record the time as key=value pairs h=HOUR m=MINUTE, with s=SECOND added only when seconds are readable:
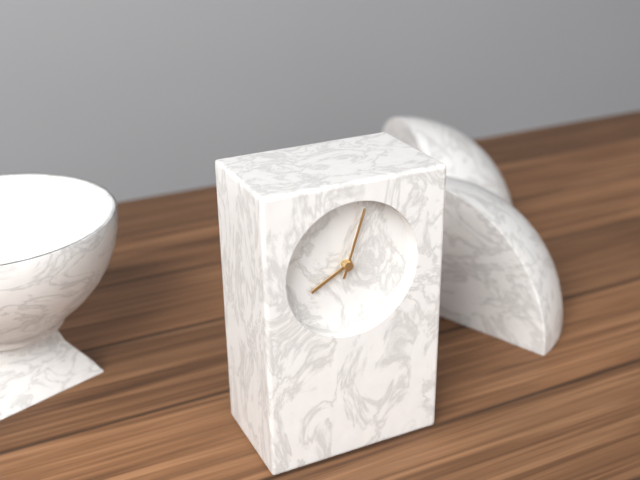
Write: h=8 m=3
